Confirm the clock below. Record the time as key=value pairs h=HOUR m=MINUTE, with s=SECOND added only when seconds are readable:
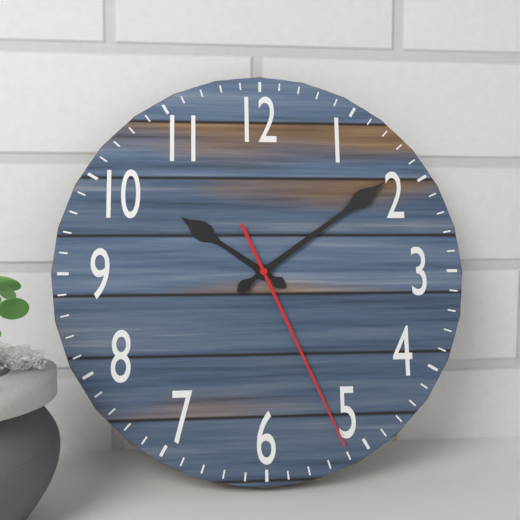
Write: h=10 m=9 s=26
